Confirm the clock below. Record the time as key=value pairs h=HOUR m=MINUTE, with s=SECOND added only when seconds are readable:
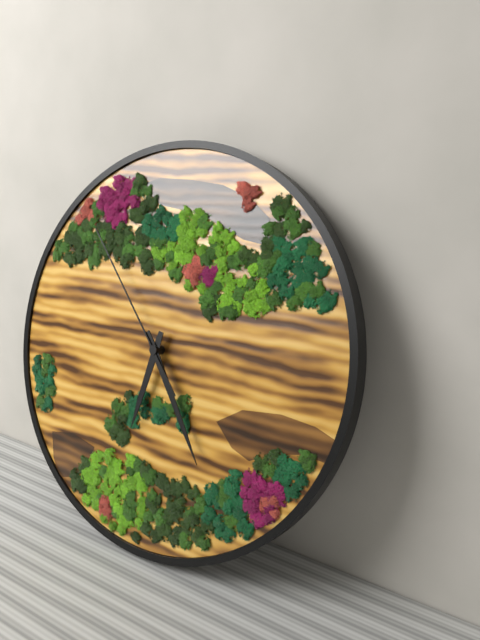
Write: h=6 m=24 s=53
